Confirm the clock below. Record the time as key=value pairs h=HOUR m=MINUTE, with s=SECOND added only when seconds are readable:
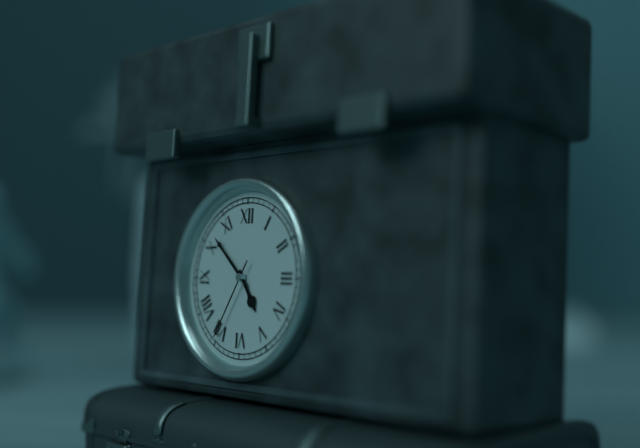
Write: h=4 m=52 s=35
